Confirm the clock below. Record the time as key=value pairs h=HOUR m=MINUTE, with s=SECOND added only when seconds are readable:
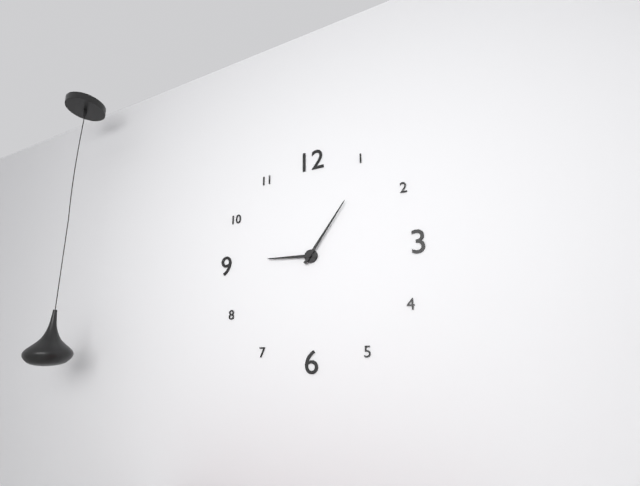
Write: h=9 m=6
